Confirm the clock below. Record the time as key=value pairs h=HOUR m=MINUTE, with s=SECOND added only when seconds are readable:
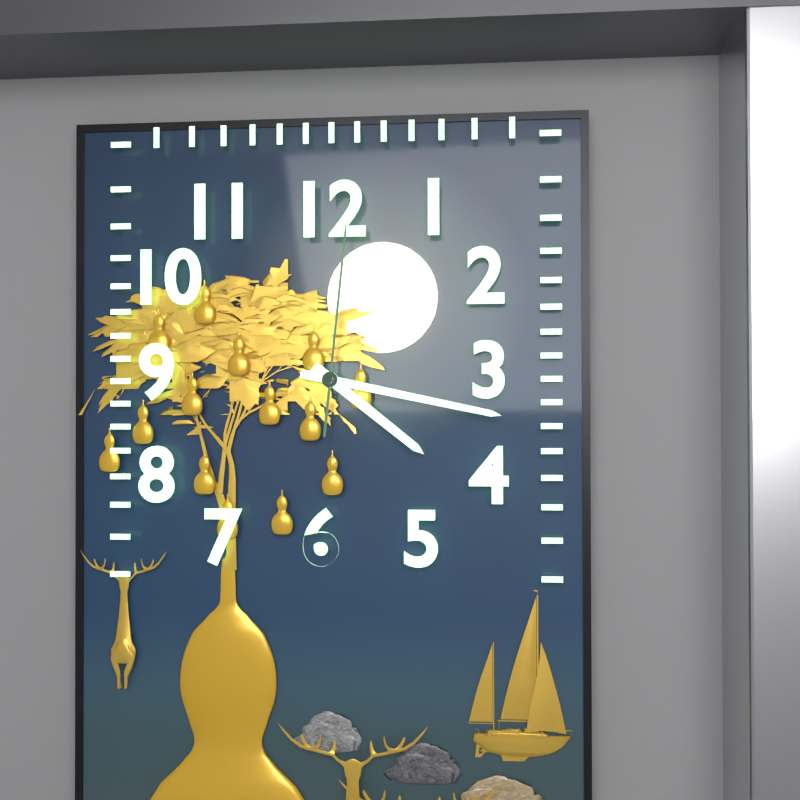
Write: h=4 m=17 s=1
